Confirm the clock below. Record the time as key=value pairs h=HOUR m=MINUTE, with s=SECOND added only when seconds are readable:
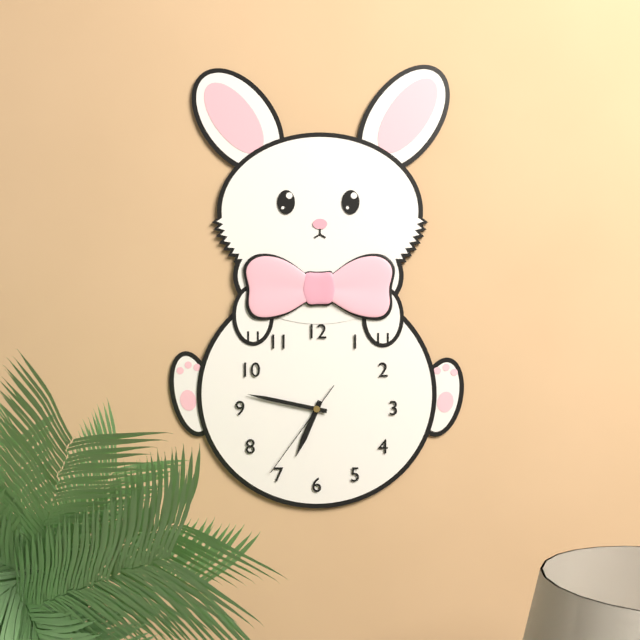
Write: h=6 m=47 s=36
